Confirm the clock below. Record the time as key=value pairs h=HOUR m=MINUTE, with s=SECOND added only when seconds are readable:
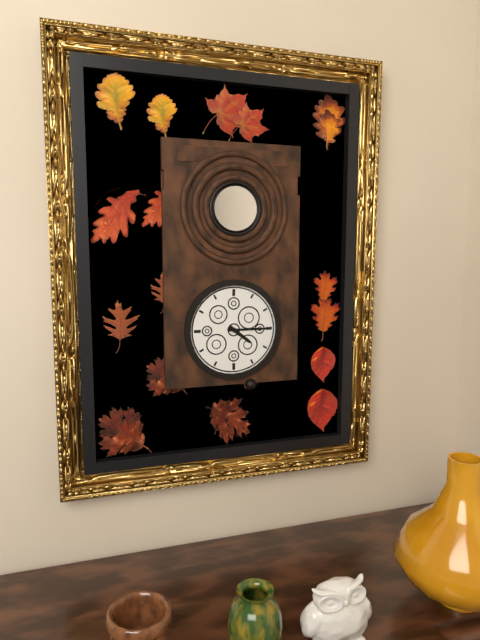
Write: h=4 m=15
